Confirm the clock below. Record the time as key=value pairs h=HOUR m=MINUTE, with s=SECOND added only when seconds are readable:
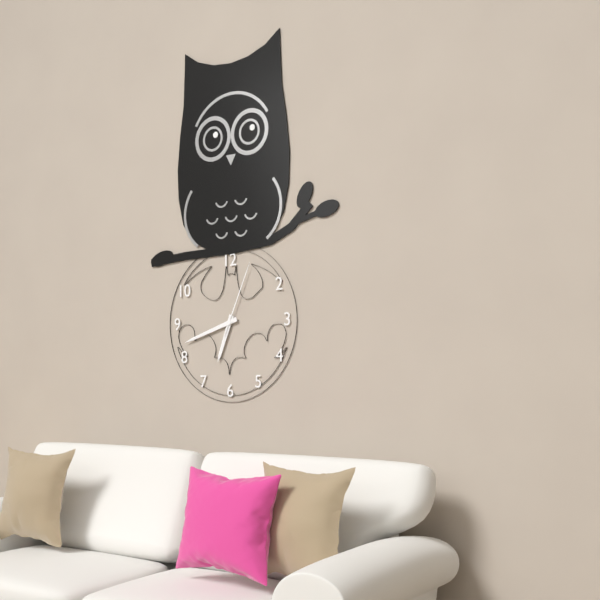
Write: h=6 m=42 s=4
